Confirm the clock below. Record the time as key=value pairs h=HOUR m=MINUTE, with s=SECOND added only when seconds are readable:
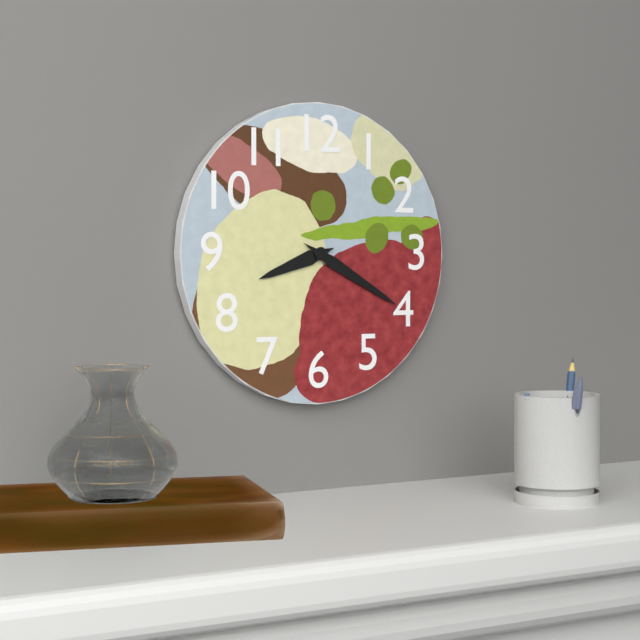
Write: h=8 m=20
